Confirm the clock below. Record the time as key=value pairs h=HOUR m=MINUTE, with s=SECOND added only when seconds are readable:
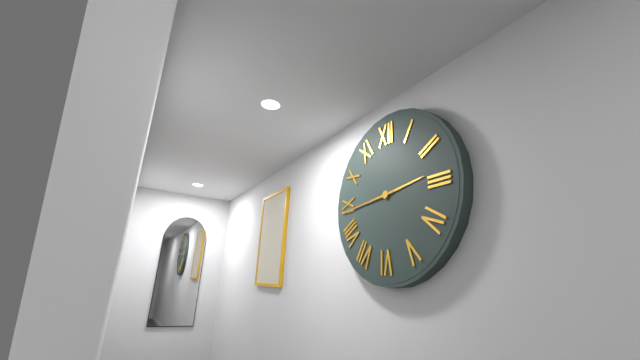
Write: h=2 m=44
